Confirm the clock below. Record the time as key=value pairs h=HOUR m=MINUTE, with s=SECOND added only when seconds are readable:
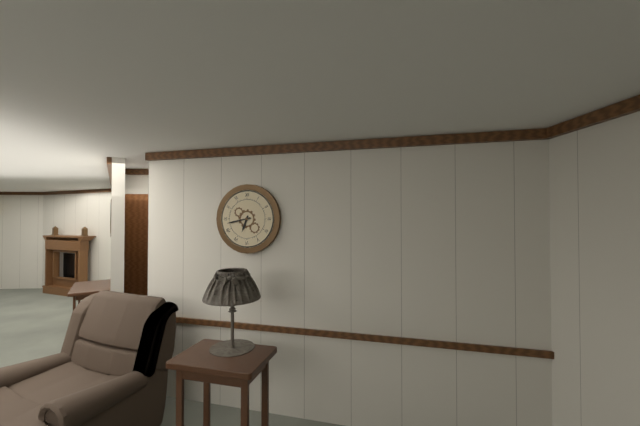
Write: h=6 m=43
